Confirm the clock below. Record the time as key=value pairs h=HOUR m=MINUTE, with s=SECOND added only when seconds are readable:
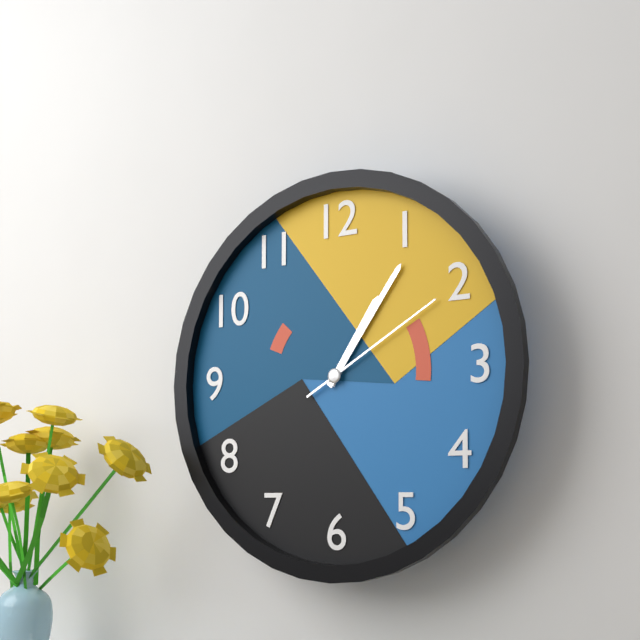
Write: h=1 m=6 s=10
